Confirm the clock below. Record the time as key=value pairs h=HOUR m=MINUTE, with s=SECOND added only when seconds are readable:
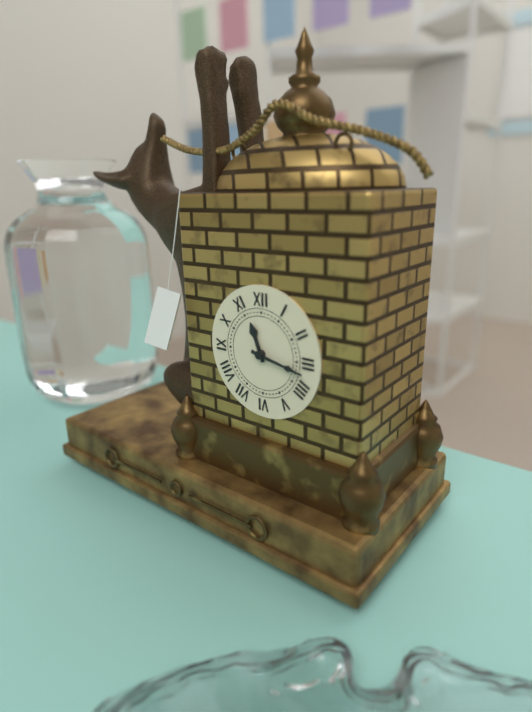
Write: h=11 m=17
